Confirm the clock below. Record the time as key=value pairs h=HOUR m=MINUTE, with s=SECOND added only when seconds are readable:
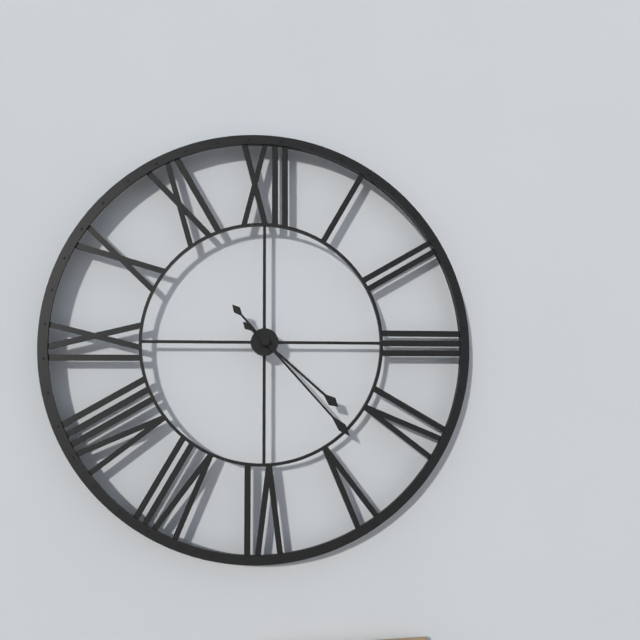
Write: h=4 m=23
